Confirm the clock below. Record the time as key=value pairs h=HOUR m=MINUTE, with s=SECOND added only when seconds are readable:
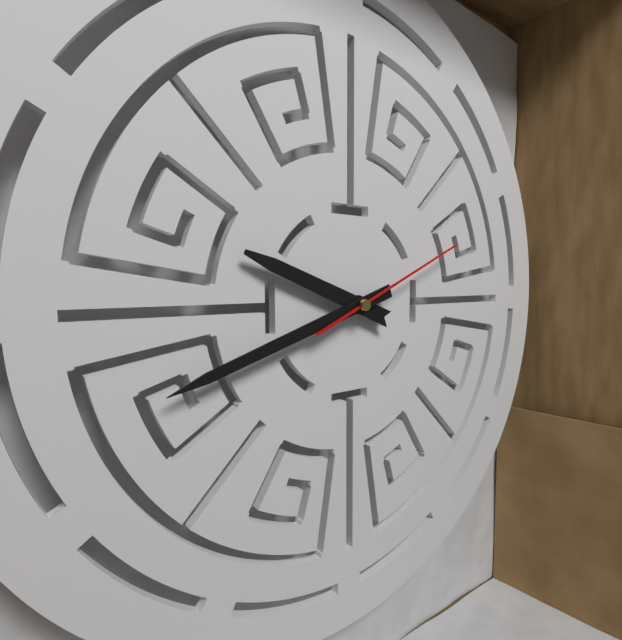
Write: h=9 m=42 s=11
